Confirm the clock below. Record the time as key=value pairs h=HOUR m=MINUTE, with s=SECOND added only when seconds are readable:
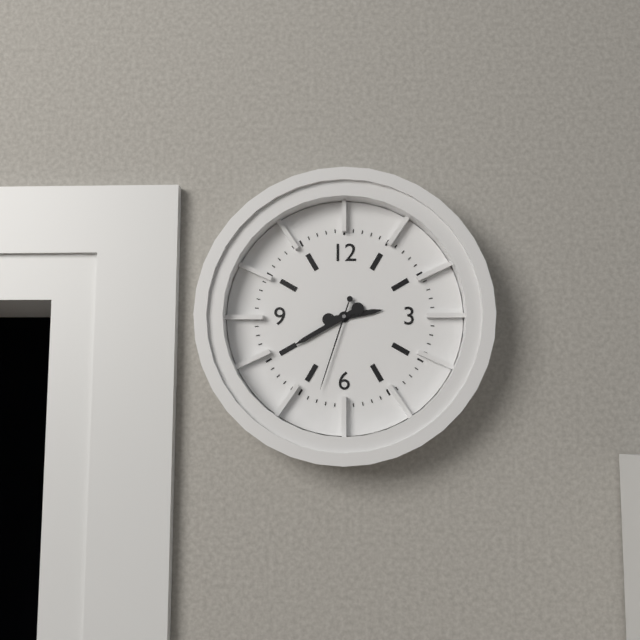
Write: h=2 m=40 s=33
